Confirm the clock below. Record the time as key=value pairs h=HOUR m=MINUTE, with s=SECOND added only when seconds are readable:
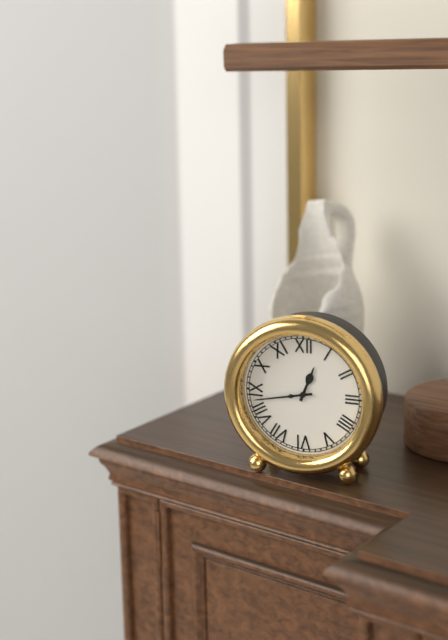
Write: h=12 m=43
